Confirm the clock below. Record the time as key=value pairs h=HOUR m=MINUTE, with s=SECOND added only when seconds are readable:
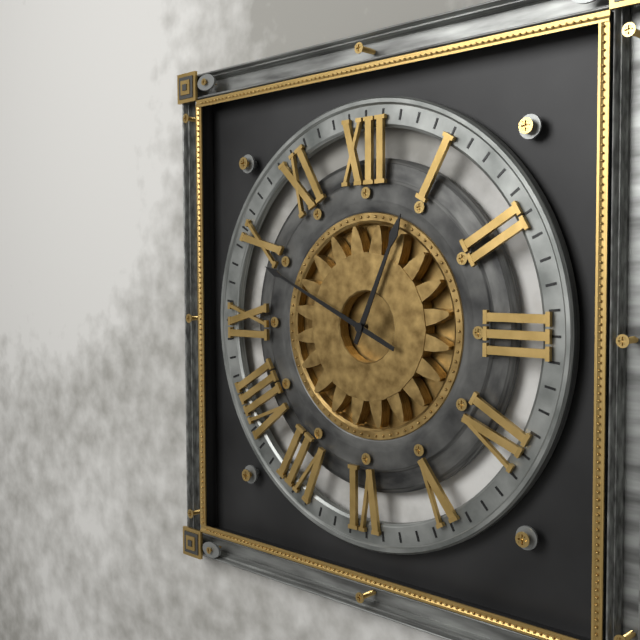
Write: h=12 m=49
